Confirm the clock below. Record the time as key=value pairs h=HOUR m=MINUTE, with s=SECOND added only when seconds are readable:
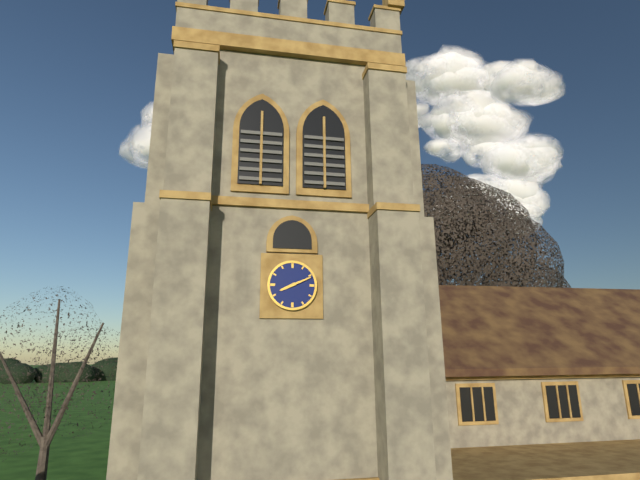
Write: h=8 m=11
